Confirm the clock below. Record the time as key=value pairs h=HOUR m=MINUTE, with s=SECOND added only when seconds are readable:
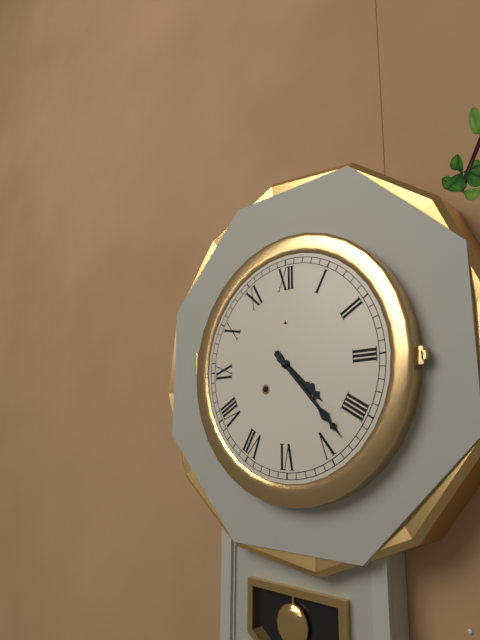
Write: h=4 m=23
